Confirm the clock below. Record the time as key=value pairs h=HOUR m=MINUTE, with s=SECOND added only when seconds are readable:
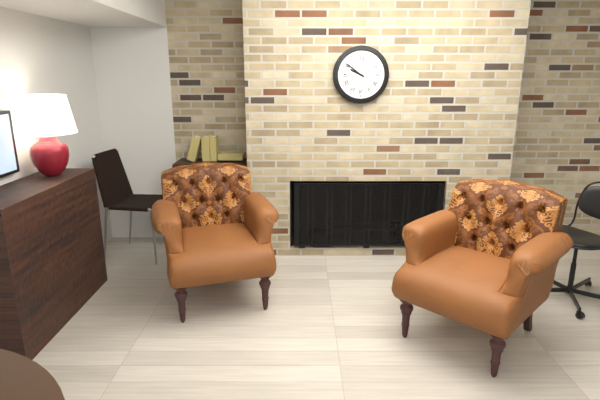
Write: h=9 m=51
